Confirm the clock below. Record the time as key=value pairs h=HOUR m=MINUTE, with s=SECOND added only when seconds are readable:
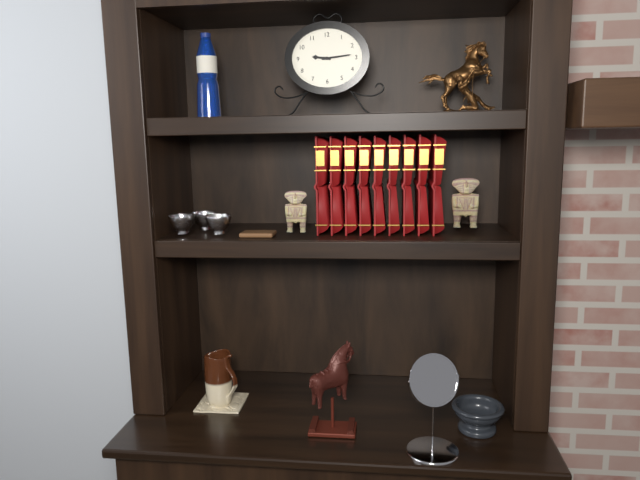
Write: h=9 m=14
